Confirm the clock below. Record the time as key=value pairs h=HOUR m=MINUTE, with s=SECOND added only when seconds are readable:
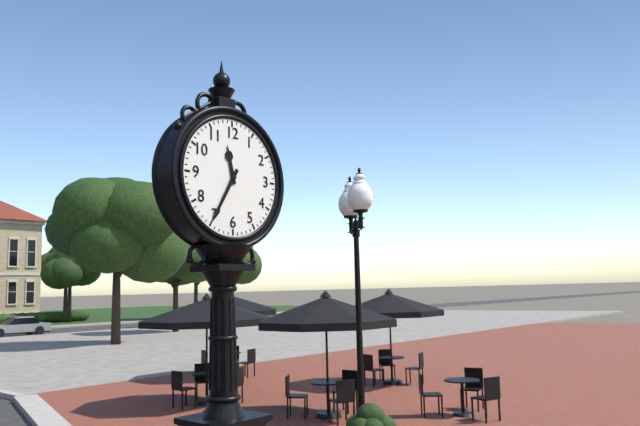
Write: h=11 m=35
